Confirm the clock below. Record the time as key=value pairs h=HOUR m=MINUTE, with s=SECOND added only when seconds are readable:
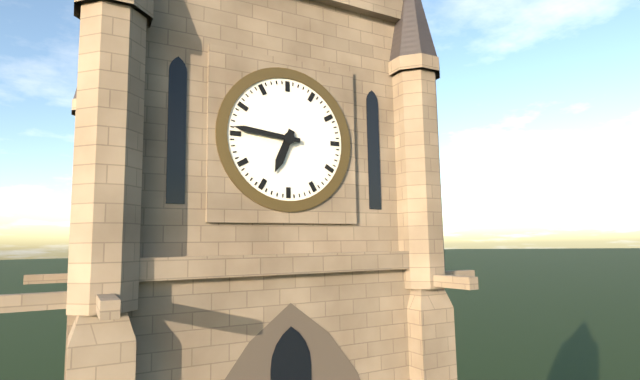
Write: h=6 m=46
